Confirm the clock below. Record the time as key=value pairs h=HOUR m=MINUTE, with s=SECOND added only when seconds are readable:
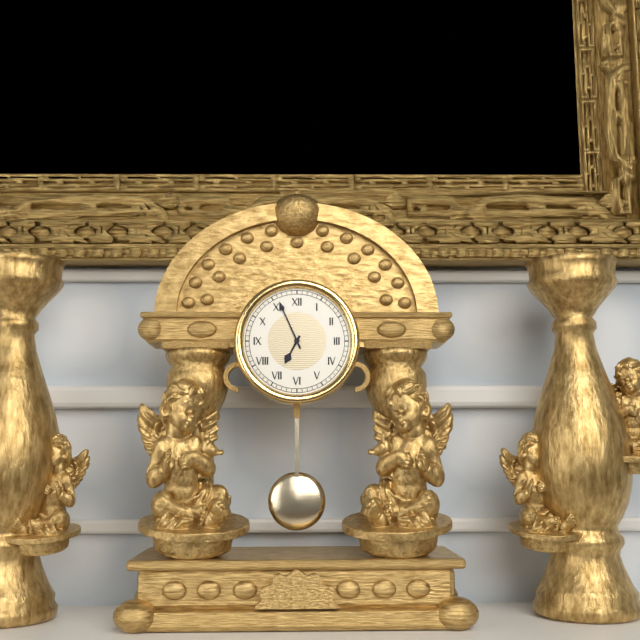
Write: h=6 m=56
